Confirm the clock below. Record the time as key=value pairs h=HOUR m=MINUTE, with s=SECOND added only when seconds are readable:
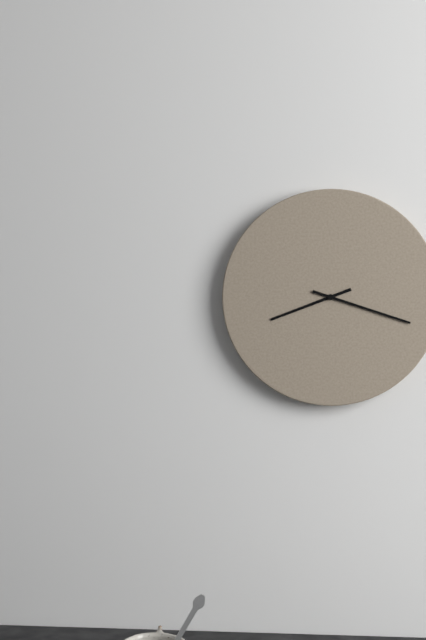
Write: h=8 m=18
